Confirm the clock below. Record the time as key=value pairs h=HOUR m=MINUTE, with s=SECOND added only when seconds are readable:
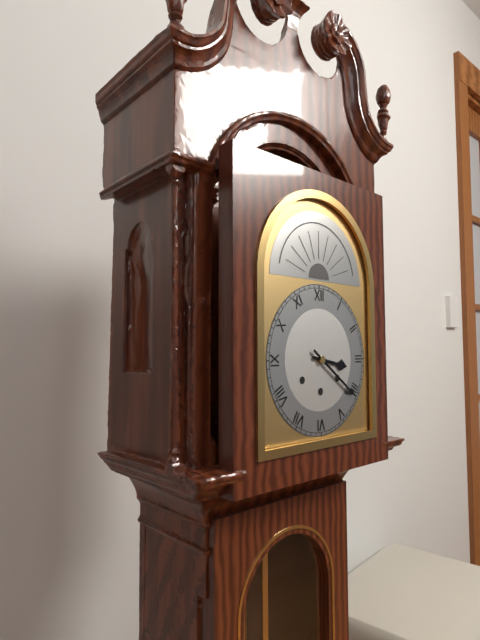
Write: h=3 m=21
